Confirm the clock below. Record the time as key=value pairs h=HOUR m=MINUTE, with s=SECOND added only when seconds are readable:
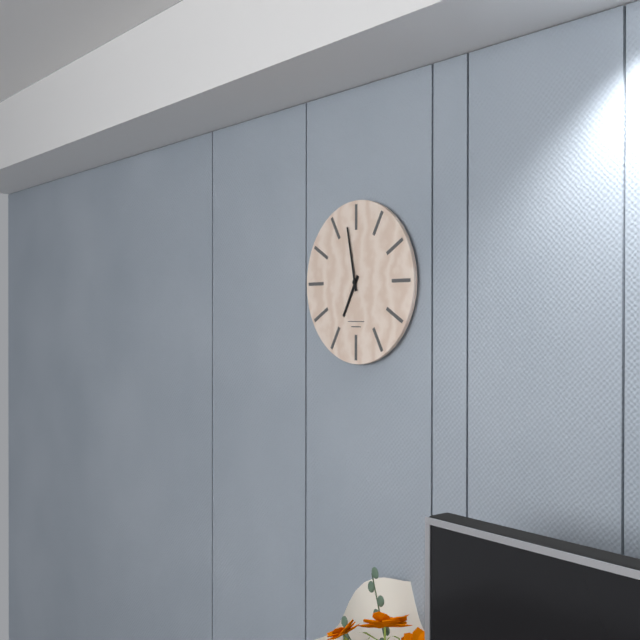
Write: h=6 m=58
